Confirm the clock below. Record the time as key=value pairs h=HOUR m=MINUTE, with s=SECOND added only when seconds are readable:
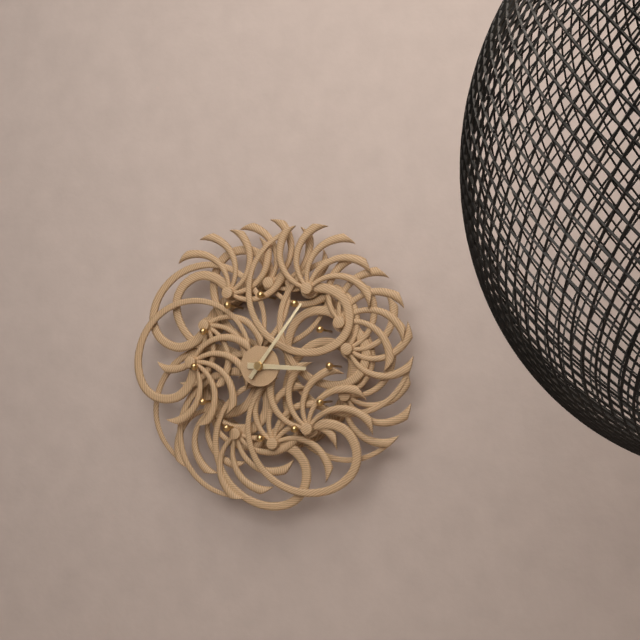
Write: h=3 m=6
